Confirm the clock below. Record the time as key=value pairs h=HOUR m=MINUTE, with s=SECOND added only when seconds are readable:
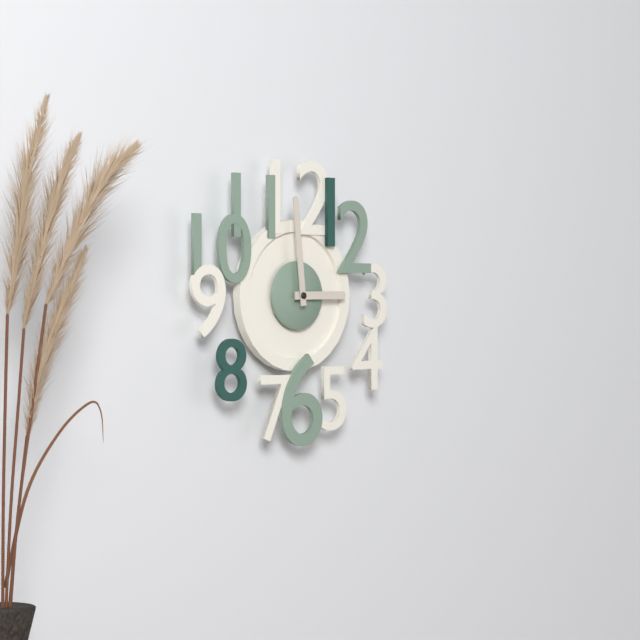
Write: h=2 m=59
